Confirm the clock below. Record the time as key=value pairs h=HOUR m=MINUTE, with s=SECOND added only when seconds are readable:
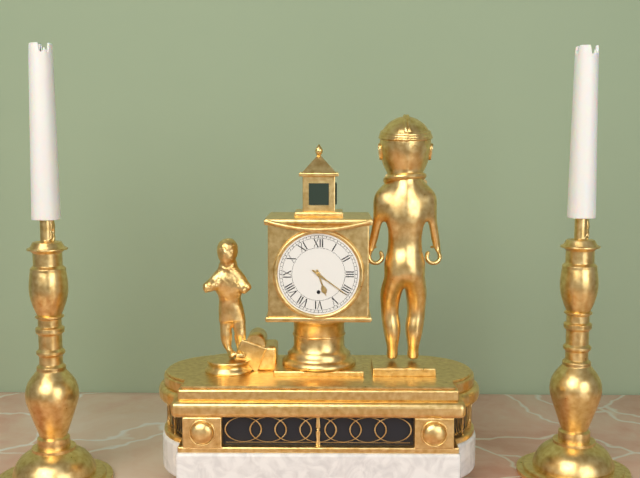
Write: h=5 m=21
